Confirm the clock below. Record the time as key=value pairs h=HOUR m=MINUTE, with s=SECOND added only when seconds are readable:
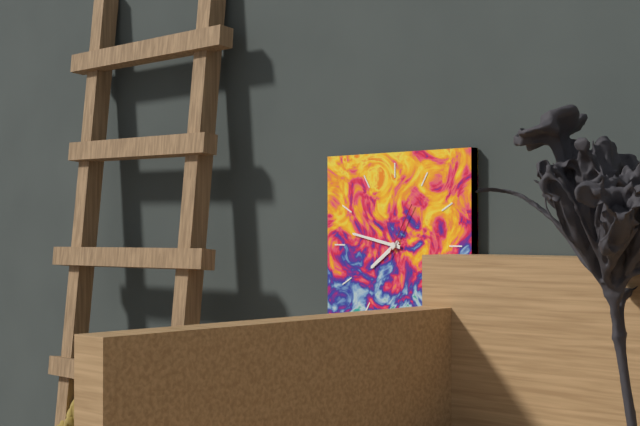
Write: h=7 m=47 s=5
